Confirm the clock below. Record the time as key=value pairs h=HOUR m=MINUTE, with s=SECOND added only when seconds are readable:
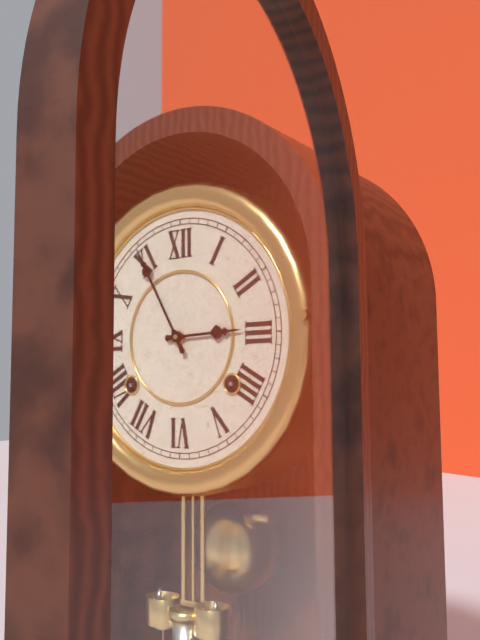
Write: h=2 m=55
